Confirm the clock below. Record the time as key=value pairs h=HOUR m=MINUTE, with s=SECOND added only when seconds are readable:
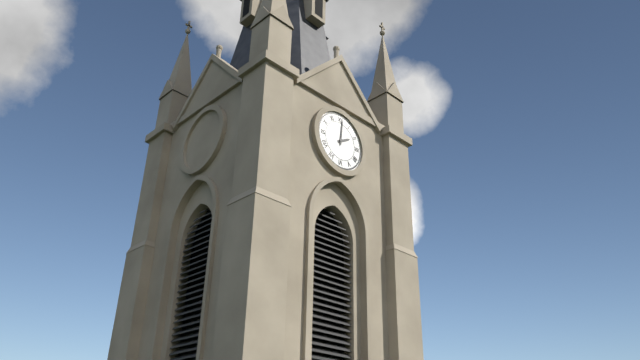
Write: h=2 m=1
